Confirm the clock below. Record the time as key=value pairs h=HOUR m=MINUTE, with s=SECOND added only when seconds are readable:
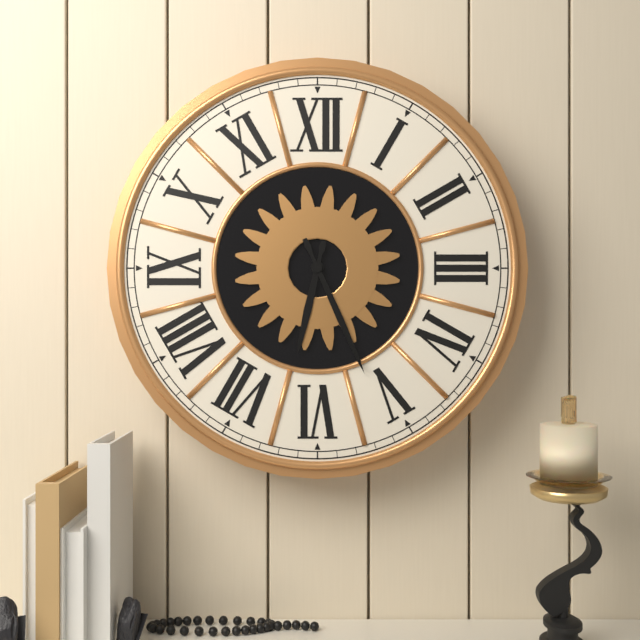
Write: h=6 m=26
